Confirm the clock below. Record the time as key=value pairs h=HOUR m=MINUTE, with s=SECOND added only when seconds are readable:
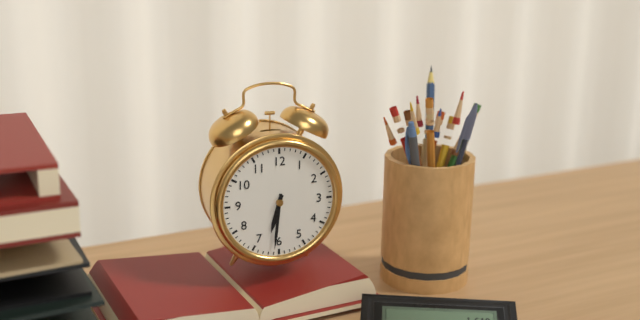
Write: h=6 m=31
